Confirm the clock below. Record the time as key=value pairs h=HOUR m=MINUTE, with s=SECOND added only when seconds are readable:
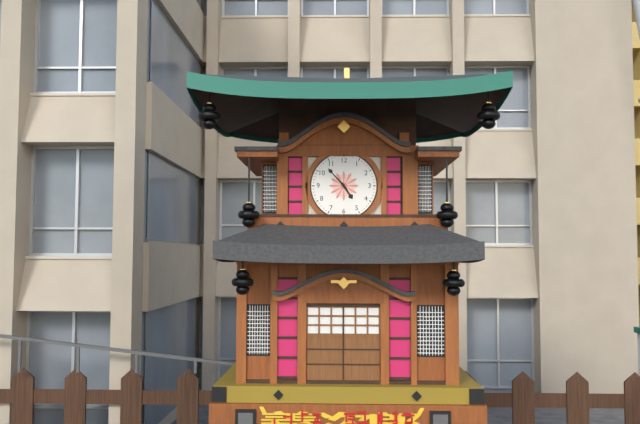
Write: h=4 m=53
